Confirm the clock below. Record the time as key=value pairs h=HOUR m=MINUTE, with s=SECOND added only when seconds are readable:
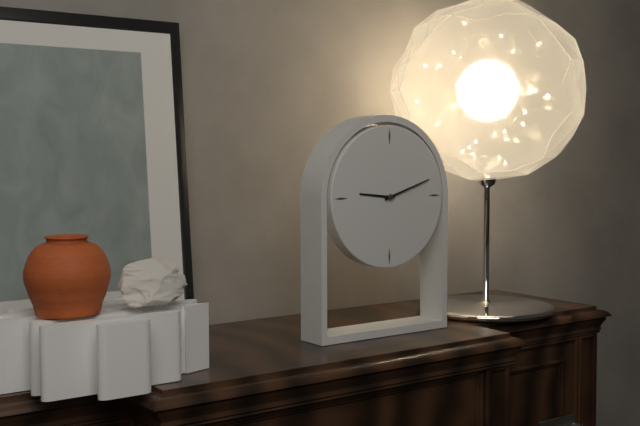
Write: h=9 m=12
